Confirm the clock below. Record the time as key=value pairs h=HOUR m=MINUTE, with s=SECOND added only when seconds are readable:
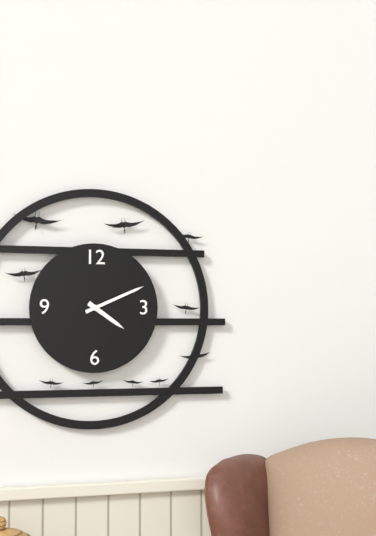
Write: h=4 m=11
